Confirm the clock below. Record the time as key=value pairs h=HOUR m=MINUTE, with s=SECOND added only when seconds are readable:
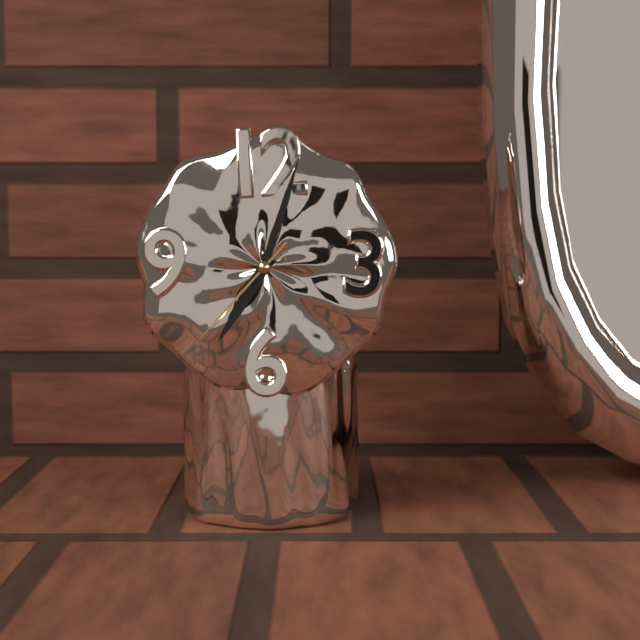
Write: h=7 m=3 s=37
